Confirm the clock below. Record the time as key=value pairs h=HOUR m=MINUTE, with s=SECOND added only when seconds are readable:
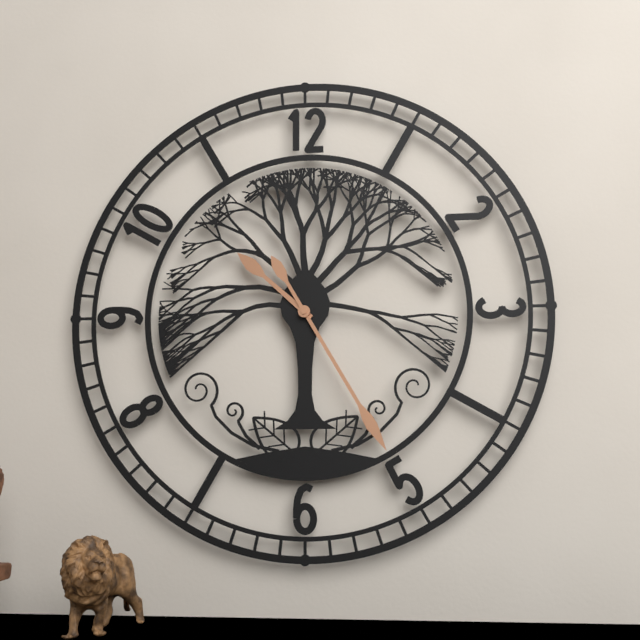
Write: h=10 m=25
